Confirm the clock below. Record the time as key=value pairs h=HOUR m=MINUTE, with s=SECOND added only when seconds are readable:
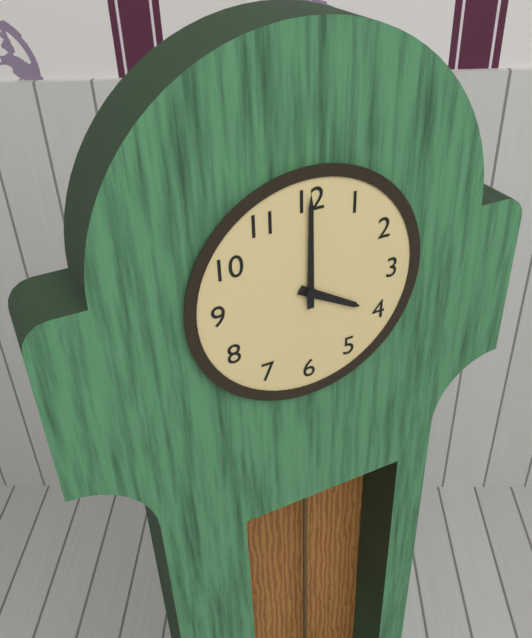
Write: h=4 m=0
